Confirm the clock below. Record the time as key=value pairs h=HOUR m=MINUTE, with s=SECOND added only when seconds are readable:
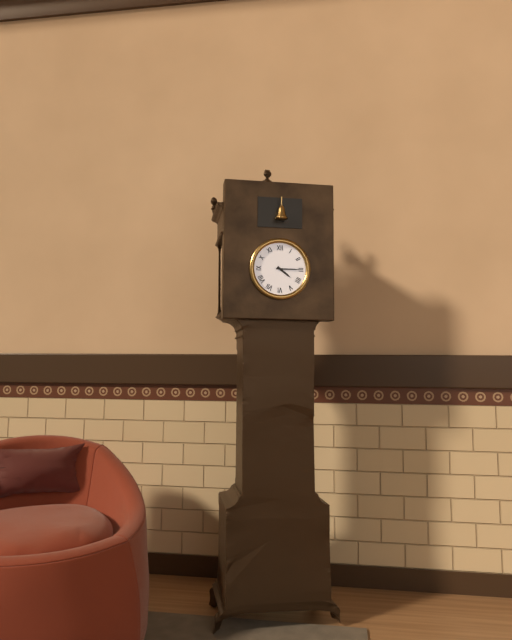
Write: h=4 m=15
